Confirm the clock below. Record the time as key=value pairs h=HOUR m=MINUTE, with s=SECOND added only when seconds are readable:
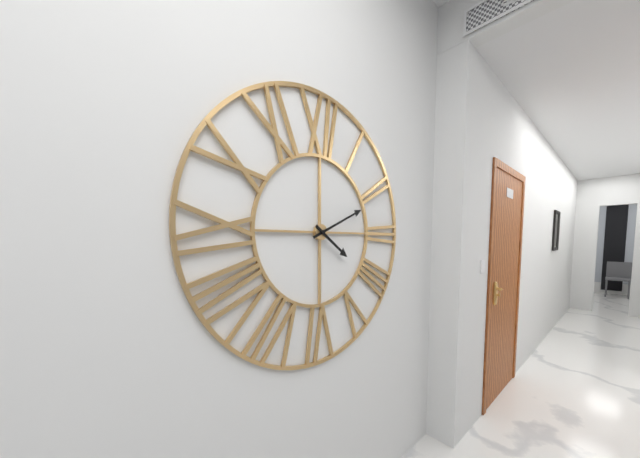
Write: h=4 m=11
